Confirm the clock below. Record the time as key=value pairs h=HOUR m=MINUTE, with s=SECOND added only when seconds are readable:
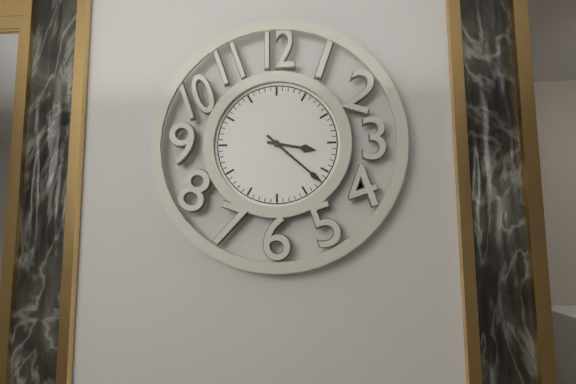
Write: h=3 m=22
